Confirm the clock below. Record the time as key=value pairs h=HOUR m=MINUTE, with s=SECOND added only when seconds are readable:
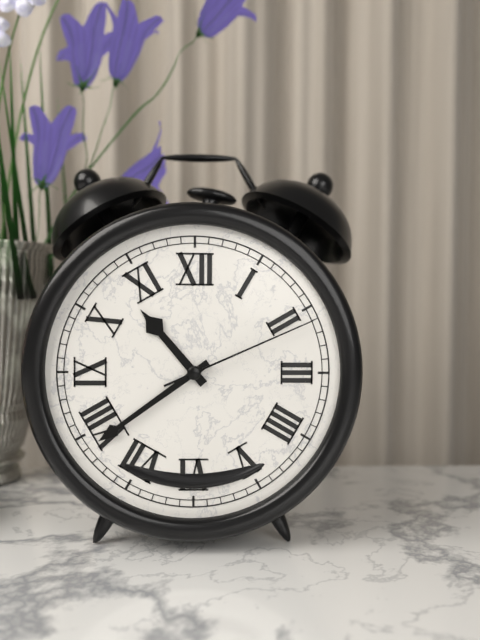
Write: h=10 m=39 s=11
